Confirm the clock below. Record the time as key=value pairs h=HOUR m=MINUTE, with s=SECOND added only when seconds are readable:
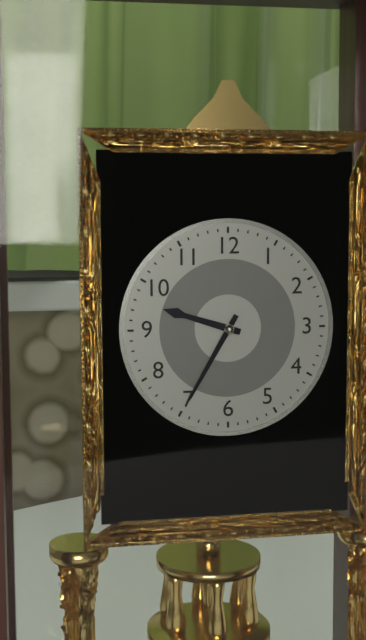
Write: h=9 m=35
